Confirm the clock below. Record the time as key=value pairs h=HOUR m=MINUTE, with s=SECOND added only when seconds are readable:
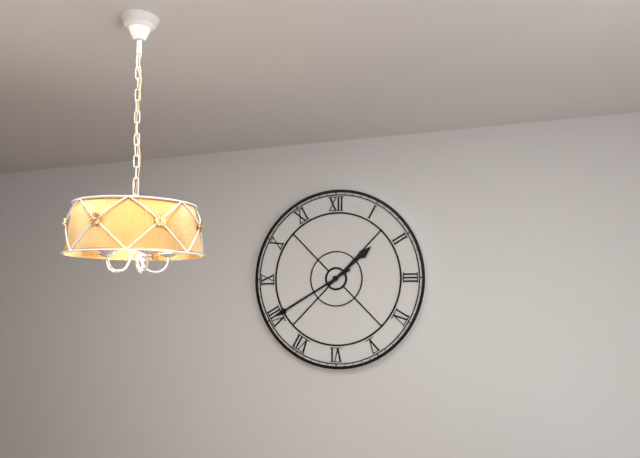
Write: h=1 m=40
